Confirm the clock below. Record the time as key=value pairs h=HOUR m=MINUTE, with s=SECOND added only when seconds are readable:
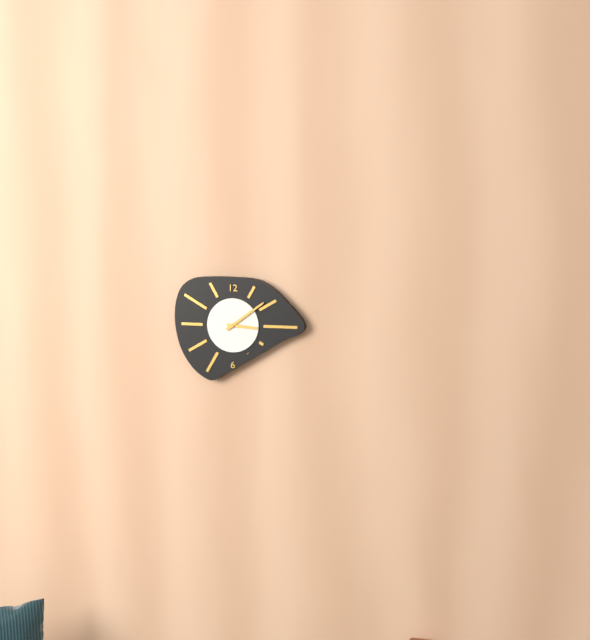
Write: h=3 m=9
